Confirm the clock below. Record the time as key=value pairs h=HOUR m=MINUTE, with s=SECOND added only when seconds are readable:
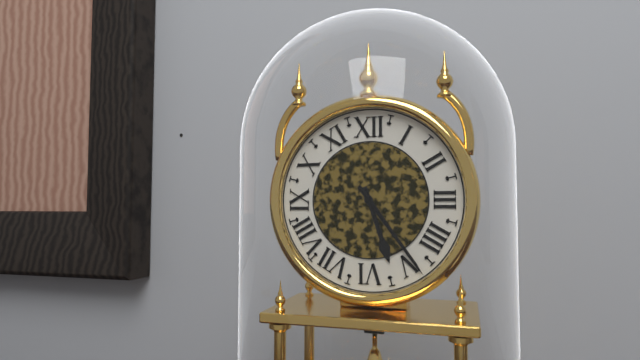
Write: h=5 m=24
